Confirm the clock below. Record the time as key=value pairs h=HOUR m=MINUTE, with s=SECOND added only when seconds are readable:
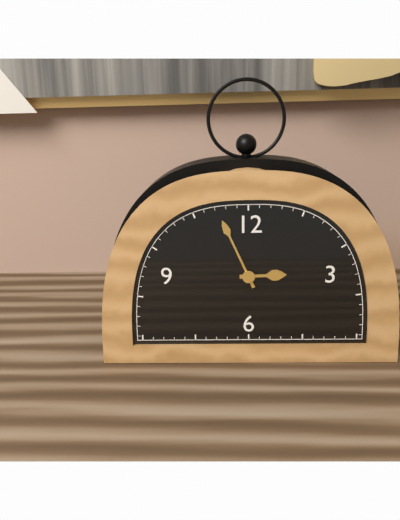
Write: h=2 m=56
